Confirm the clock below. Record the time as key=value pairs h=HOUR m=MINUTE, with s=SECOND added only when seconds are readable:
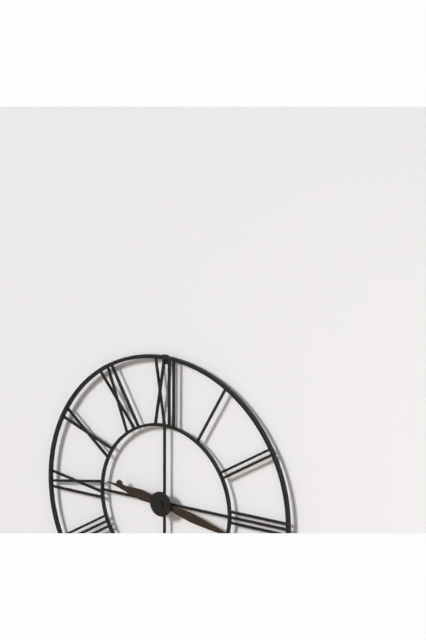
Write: h=9 m=17
